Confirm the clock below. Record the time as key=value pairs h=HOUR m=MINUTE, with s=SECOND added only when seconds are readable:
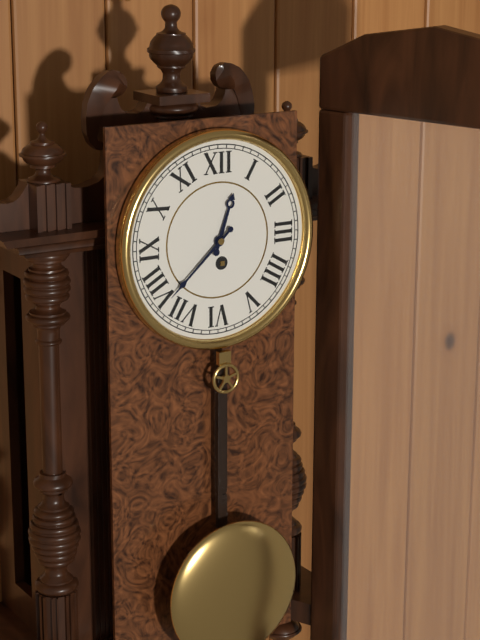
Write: h=12 m=38
